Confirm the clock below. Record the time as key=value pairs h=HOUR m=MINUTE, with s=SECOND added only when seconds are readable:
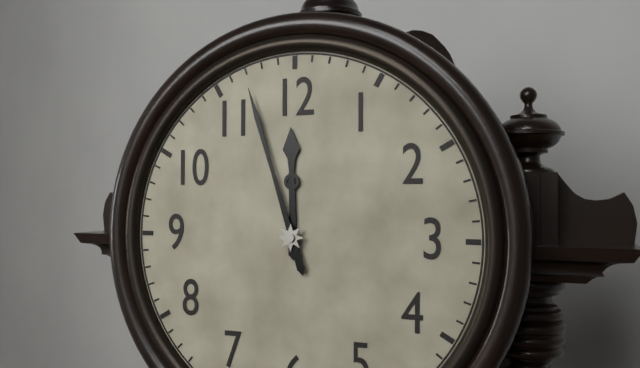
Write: h=11 m=57
